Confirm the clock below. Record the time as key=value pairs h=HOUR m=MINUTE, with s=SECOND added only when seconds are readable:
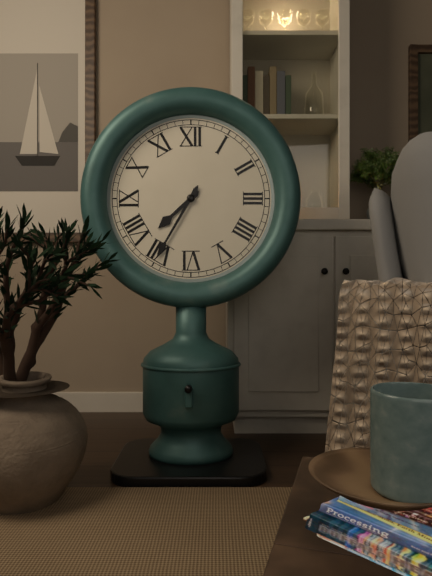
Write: h=7 m=35
